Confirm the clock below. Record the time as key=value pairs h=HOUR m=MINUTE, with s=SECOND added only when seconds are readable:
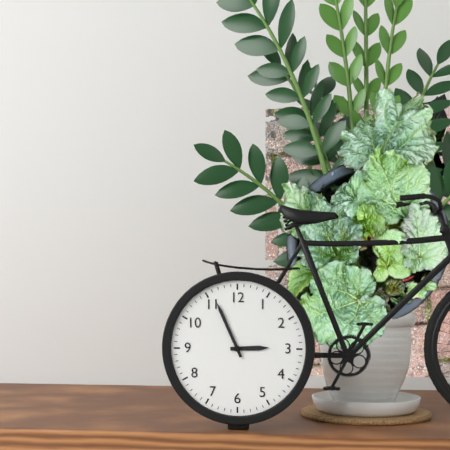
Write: h=2 m=56
